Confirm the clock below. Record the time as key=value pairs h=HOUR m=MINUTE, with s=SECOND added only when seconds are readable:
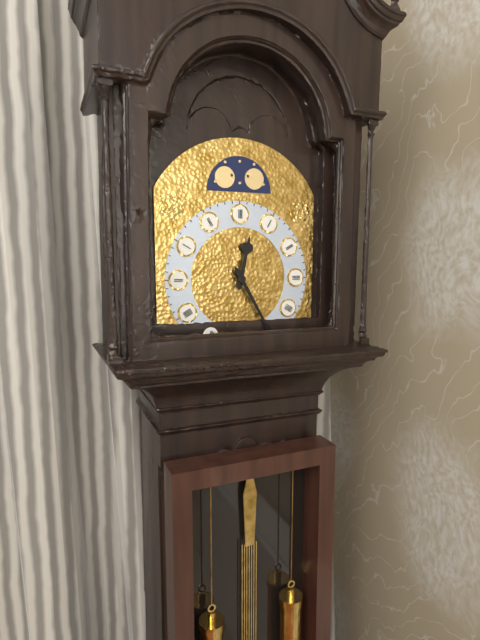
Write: h=12 m=25
